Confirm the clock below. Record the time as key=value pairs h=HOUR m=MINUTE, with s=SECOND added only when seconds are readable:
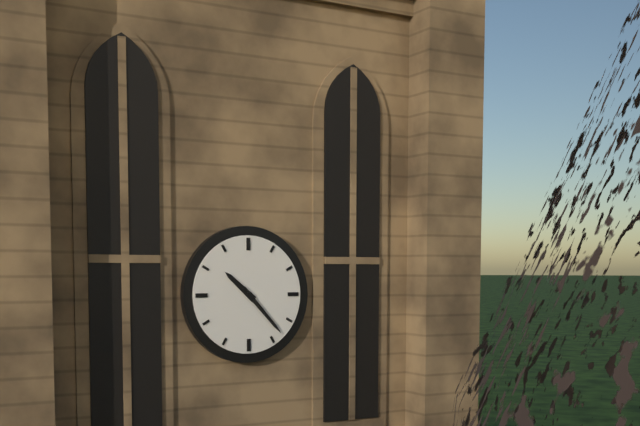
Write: h=10 m=23
